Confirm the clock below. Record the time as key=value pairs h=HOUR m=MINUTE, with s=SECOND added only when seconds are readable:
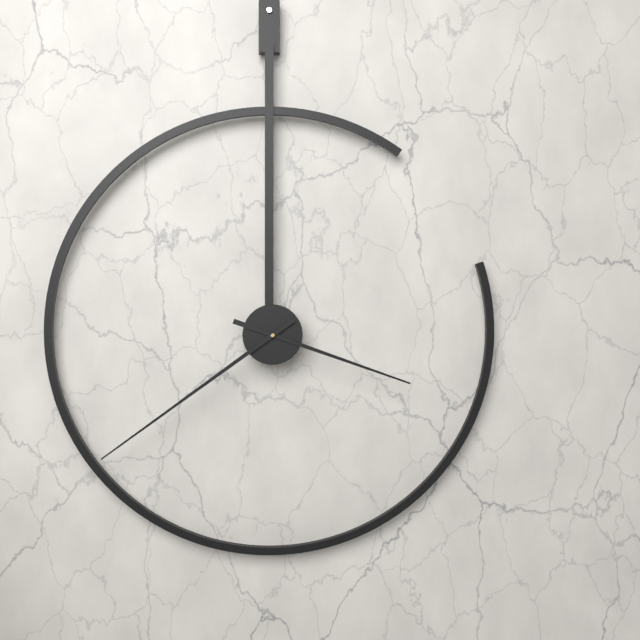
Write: h=3 m=39
